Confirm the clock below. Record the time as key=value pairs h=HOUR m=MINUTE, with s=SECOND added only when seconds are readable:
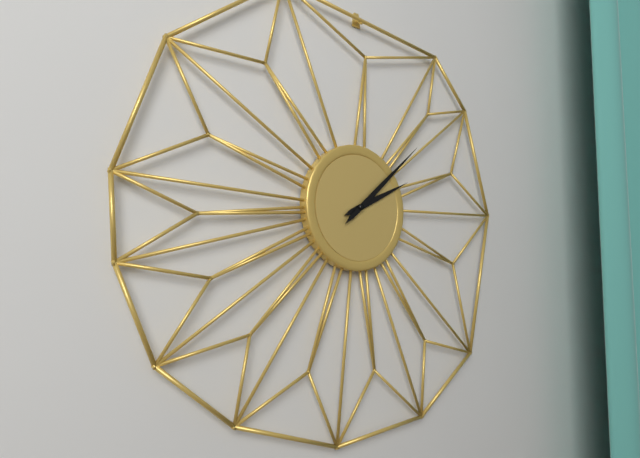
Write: h=2 m=8
